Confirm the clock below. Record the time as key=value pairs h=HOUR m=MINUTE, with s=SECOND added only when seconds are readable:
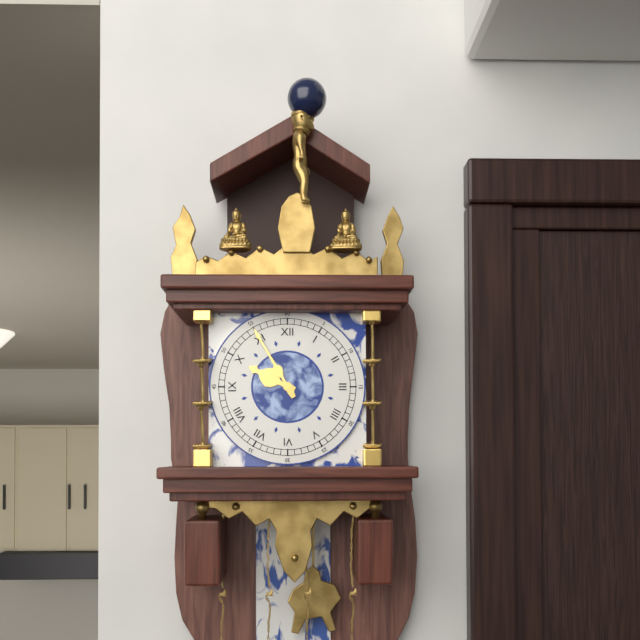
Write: h=9 m=55
